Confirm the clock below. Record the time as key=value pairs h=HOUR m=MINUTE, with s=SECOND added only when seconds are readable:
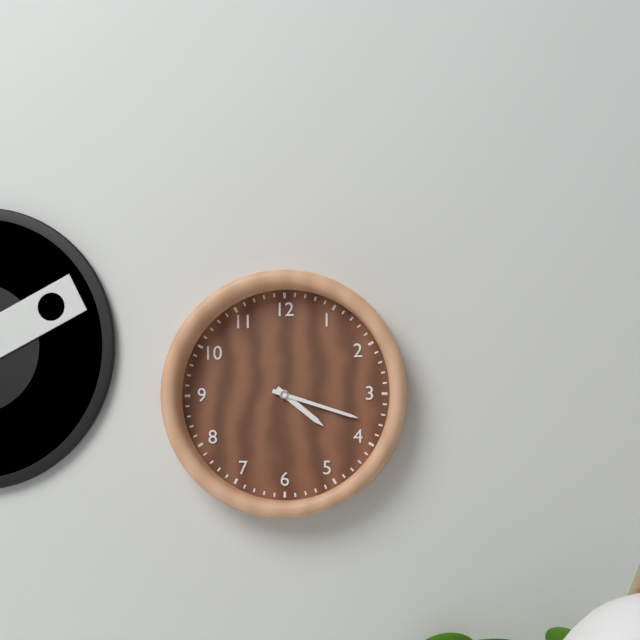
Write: h=4 m=18
